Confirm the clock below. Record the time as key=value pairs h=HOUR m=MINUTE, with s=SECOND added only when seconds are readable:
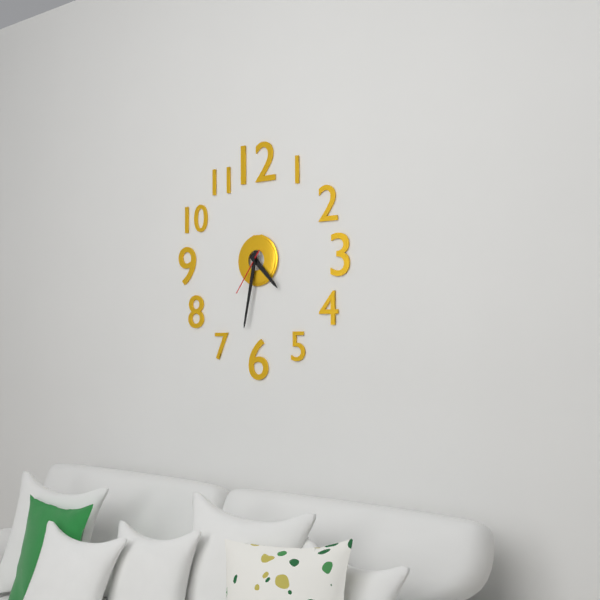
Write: h=4 m=32
